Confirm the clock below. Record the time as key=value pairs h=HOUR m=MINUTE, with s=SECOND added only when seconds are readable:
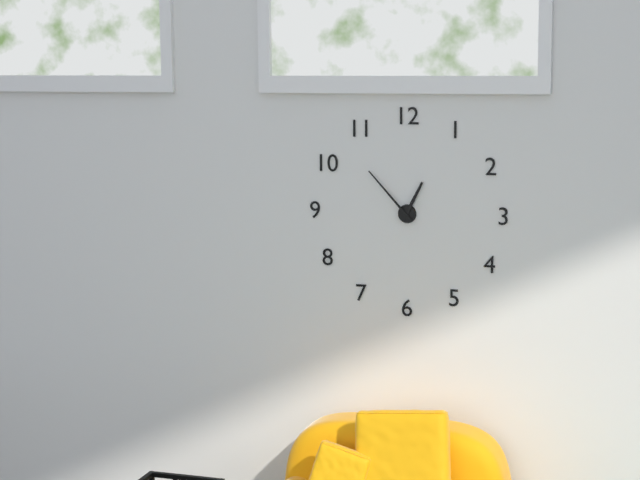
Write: h=12 m=53
